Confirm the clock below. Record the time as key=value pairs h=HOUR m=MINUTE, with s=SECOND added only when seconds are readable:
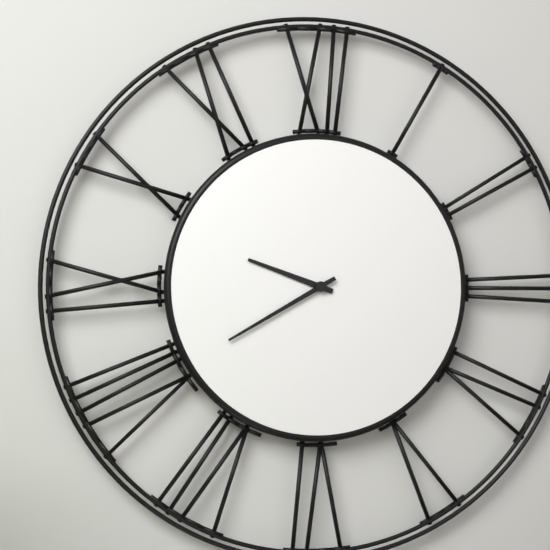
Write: h=9 m=40
